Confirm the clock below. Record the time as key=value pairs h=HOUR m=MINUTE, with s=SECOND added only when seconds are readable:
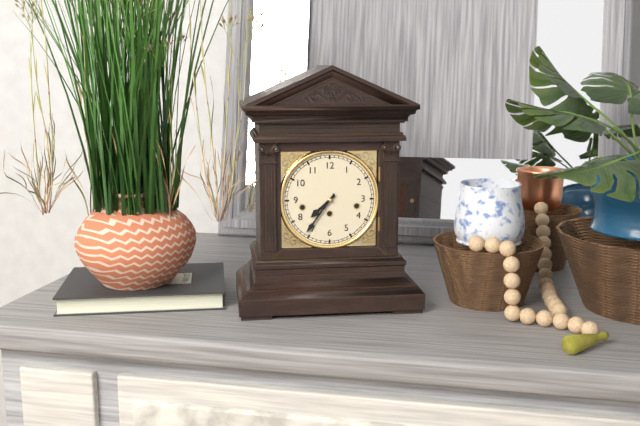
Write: h=7 m=36
